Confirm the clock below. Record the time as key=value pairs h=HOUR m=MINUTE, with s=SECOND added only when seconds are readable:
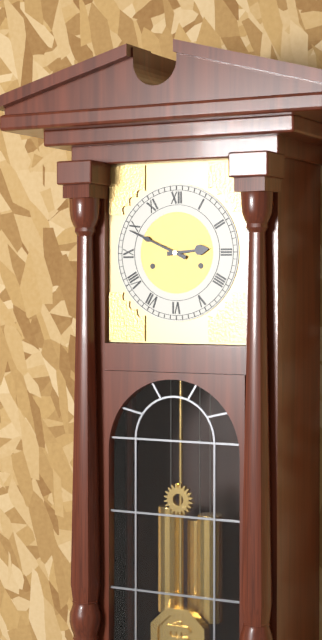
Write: h=2 m=49
